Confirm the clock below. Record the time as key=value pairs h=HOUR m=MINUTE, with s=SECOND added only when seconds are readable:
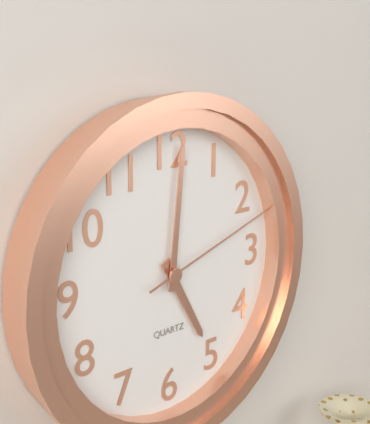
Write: h=5 m=1 s=12
